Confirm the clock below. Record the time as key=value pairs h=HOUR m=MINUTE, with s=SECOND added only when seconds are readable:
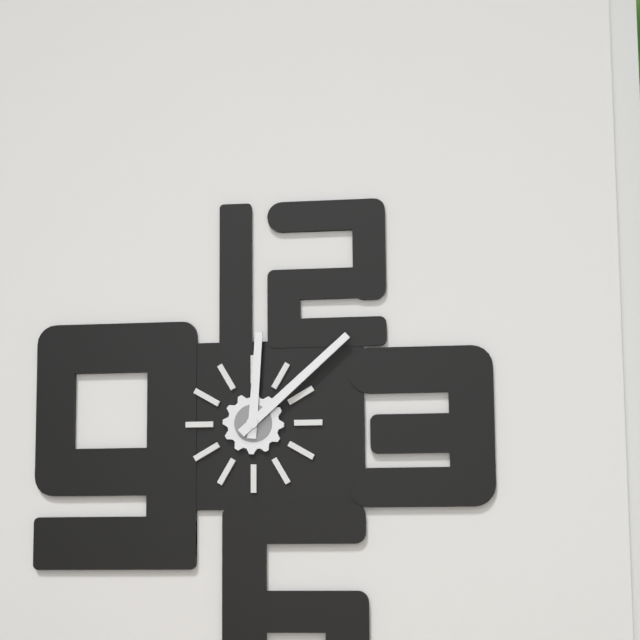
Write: h=12 m=8
